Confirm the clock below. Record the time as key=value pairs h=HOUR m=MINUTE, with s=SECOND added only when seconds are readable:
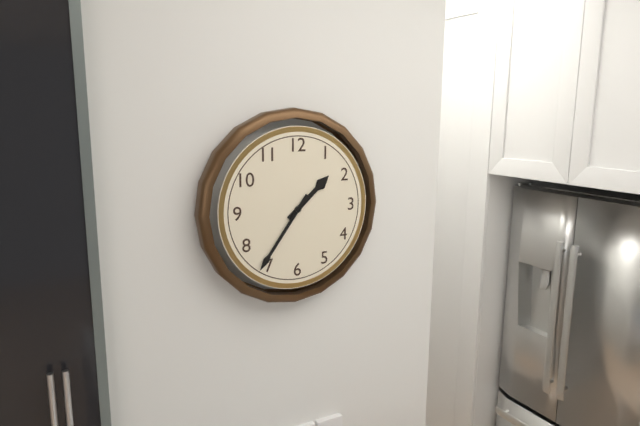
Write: h=1 m=36
